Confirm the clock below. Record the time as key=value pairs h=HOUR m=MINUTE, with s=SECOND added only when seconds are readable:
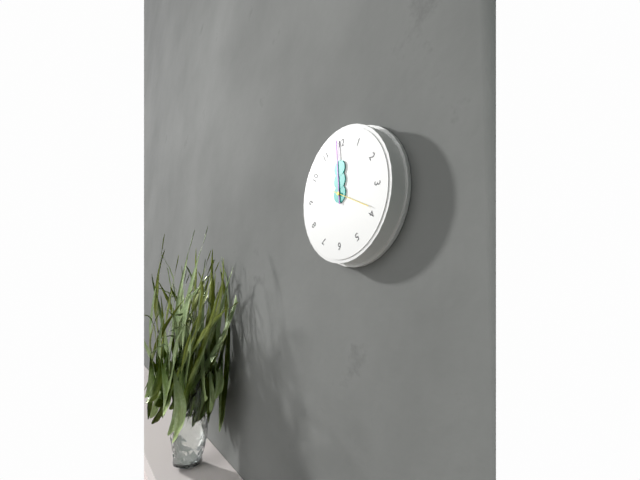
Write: h=11 m=59
